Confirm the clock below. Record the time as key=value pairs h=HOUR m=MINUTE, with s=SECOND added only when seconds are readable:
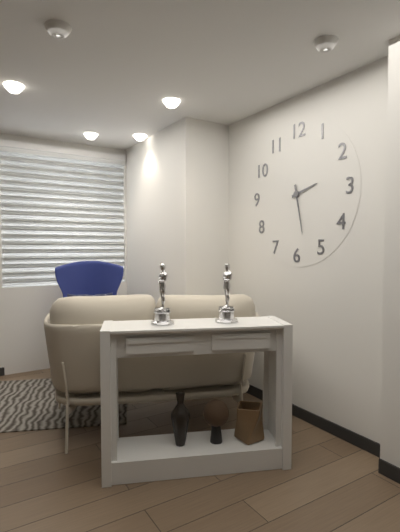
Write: h=2 m=28
